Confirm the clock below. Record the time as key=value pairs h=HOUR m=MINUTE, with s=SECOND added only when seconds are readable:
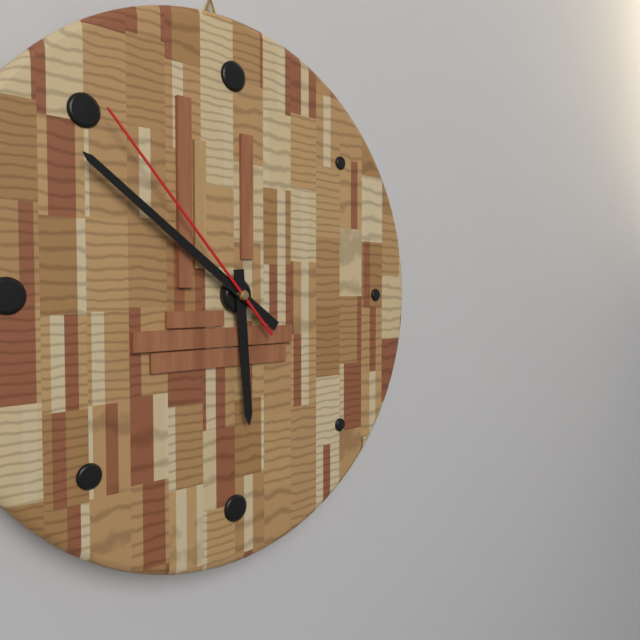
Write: h=5 m=51 s=53
